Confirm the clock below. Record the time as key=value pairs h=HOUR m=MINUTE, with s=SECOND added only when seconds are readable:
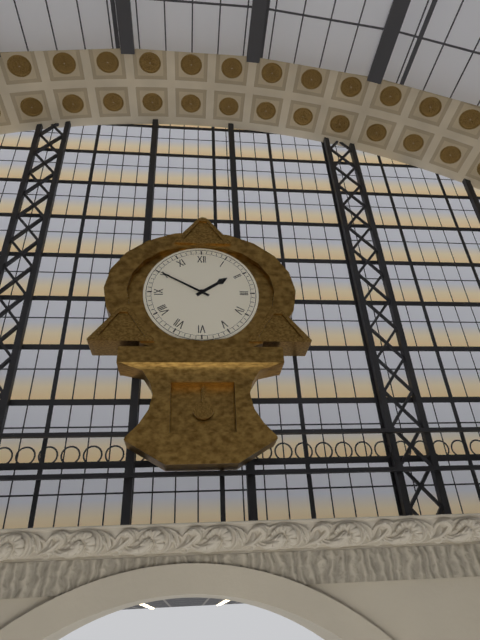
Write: h=1 m=50
